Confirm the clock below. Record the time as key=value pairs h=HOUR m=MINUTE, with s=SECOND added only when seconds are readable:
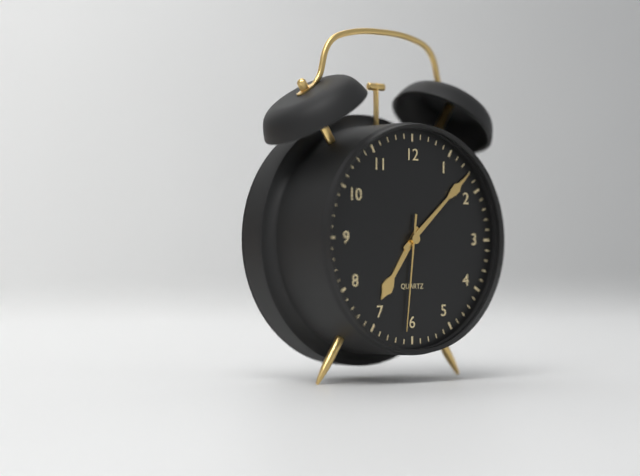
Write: h=7 m=8 s=31
